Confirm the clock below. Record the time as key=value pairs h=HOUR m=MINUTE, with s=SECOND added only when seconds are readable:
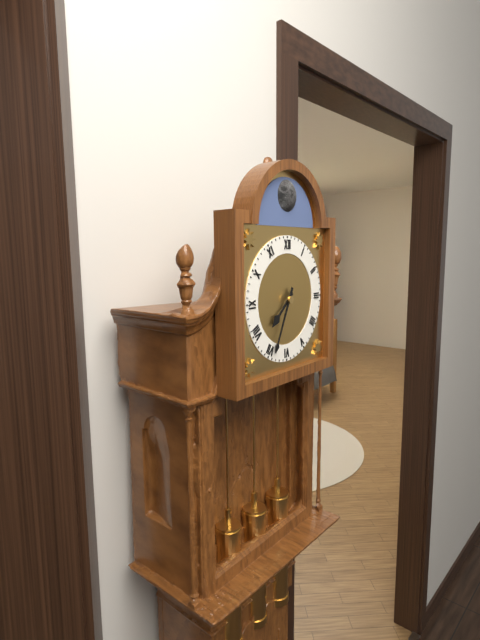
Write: h=7 m=34
